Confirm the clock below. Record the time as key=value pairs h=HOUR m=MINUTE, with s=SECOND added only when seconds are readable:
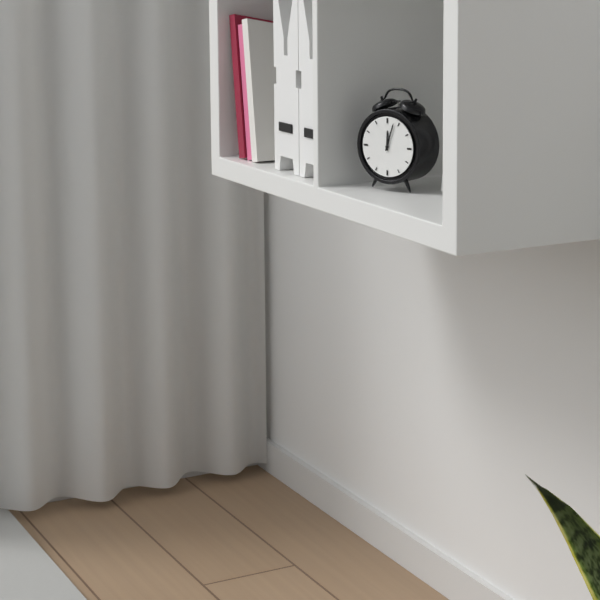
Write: h=12 m=3
